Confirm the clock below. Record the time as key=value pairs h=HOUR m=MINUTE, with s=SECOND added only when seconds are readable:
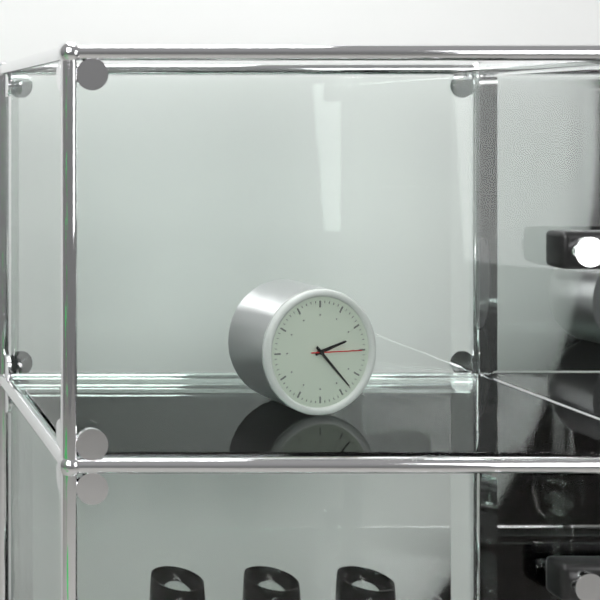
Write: h=2 m=23 s=15
